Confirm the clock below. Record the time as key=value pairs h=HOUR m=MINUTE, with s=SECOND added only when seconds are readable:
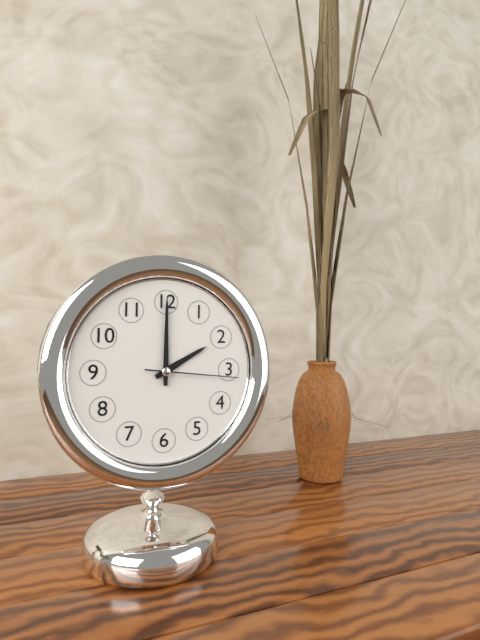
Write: h=2 m=0 s=16
